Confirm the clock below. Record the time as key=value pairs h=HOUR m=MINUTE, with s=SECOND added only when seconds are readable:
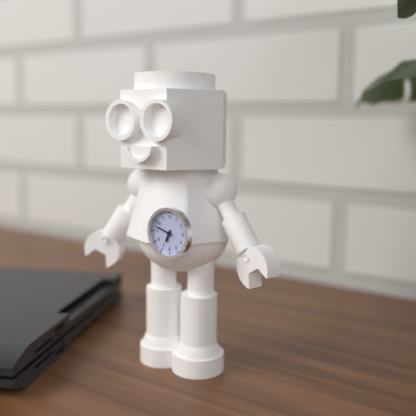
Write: h=6 m=48
